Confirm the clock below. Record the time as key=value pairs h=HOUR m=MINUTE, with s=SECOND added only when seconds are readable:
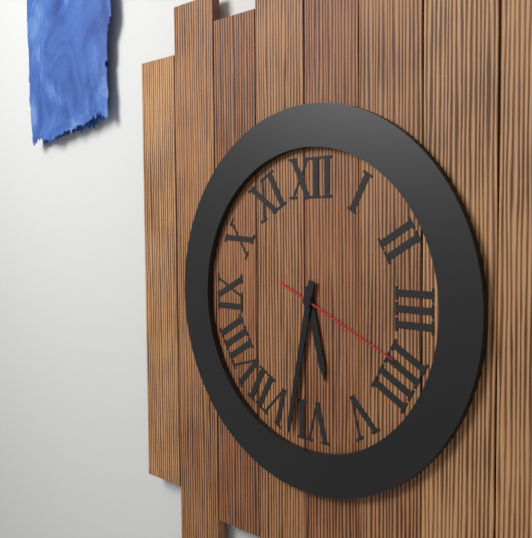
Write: h=5 m=32 s=19
